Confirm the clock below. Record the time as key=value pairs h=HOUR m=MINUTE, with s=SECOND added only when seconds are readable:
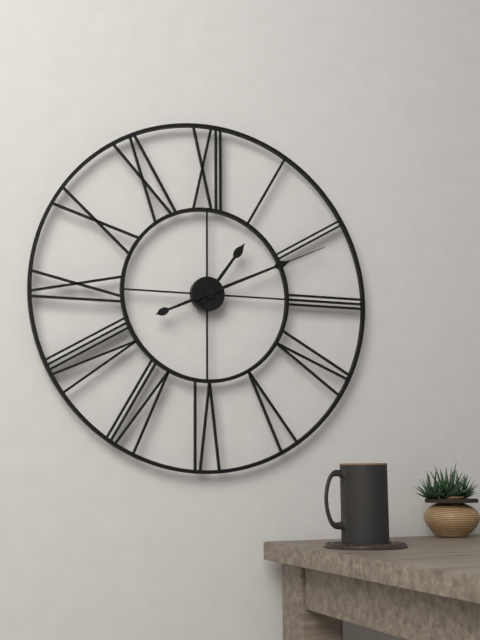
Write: h=1 m=11
